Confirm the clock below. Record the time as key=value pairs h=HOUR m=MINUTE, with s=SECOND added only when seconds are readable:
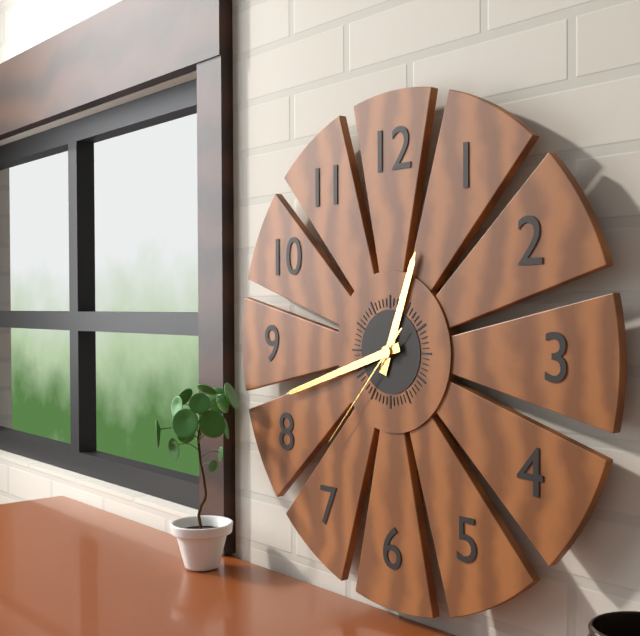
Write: h=12 m=42 s=37
